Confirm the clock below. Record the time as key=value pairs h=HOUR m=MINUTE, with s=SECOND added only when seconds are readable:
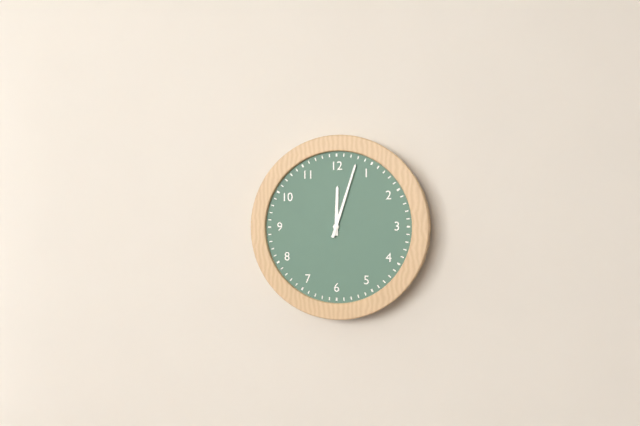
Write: h=12 m=3
